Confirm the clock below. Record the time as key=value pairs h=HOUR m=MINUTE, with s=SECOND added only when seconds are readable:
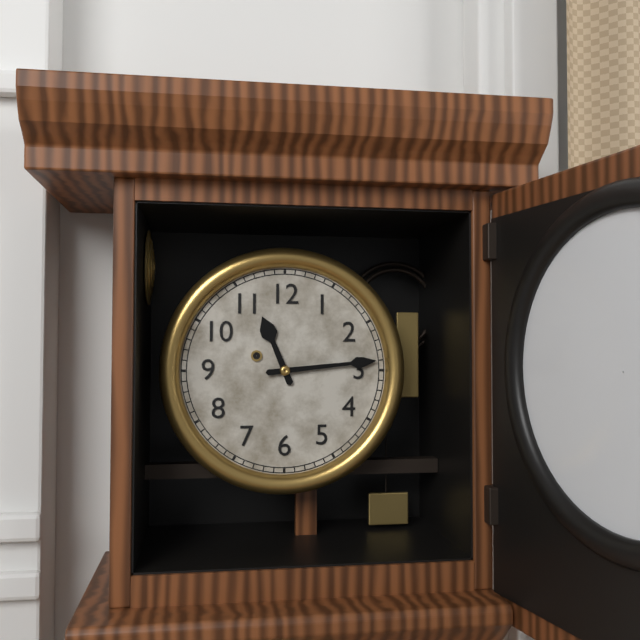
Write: h=11 m=14
